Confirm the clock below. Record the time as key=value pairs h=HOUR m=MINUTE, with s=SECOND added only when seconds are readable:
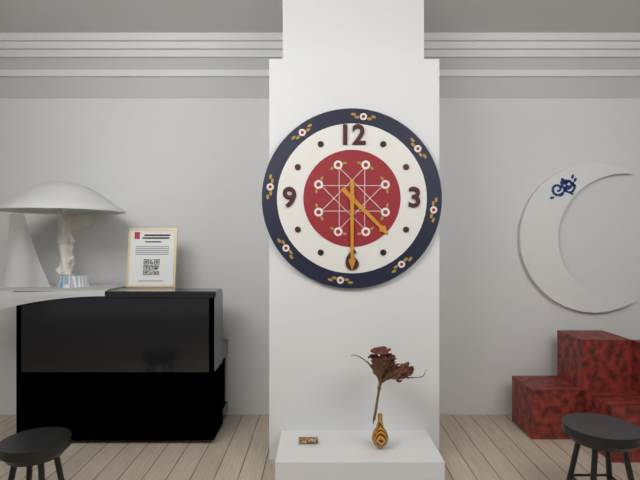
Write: h=4 m=30
